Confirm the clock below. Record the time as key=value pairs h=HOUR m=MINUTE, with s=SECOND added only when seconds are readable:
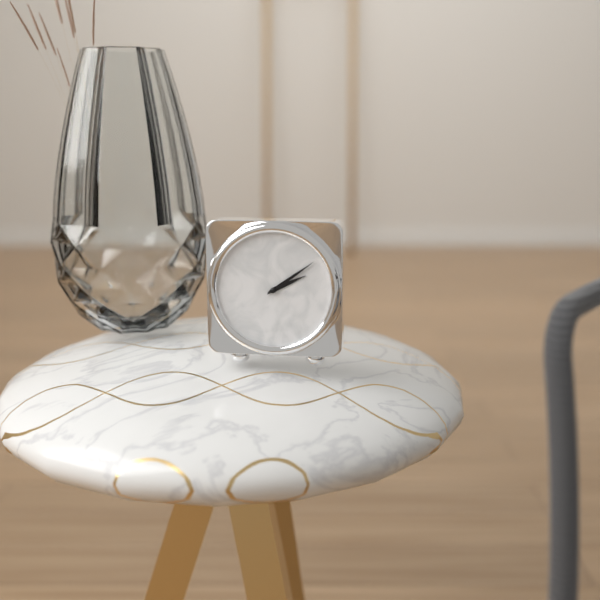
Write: h=2 m=9
